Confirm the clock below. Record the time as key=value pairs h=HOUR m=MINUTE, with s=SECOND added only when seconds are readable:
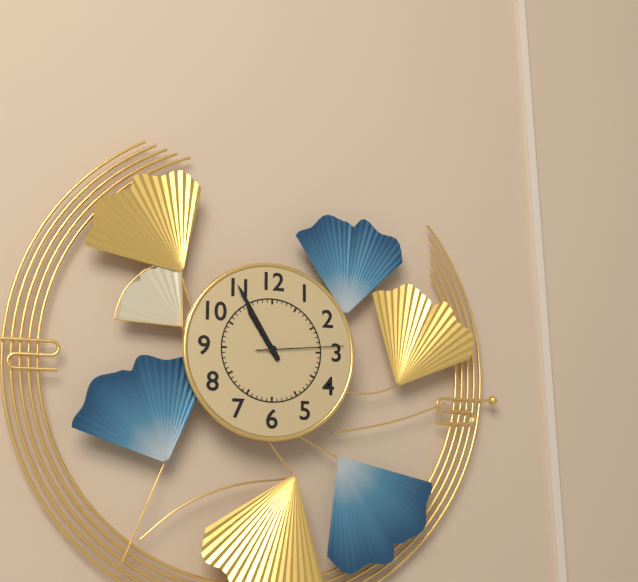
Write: h=10 m=55 s=14
